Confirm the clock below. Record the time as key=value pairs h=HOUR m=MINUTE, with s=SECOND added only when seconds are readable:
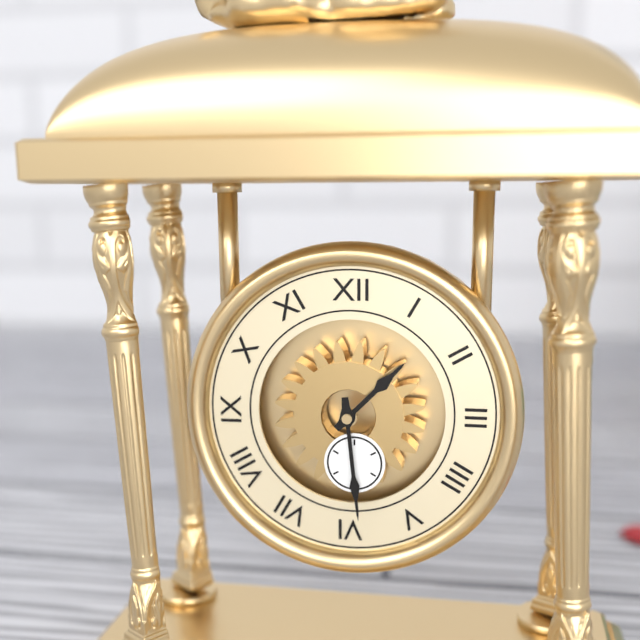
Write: h=1 m=29
